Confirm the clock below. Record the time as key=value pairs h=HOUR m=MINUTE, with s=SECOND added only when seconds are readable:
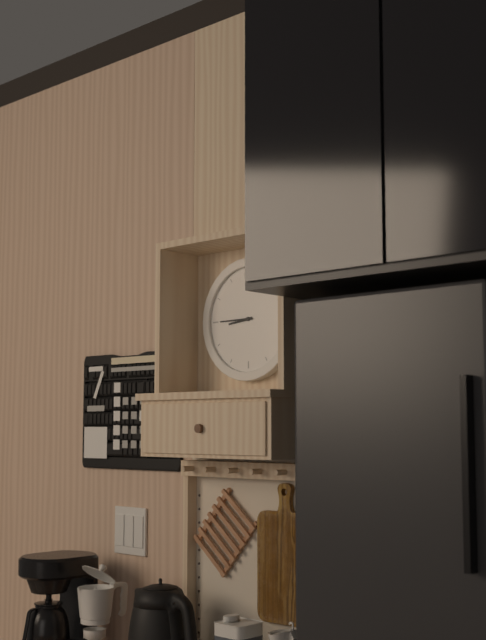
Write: h=8 m=45
